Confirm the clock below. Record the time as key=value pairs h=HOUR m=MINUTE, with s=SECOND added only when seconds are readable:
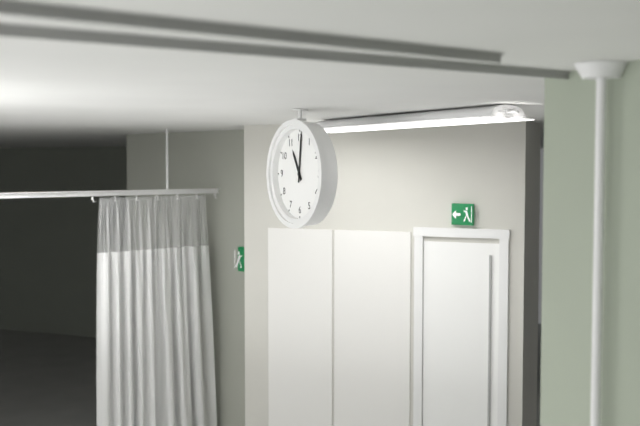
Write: h=11 m=1
